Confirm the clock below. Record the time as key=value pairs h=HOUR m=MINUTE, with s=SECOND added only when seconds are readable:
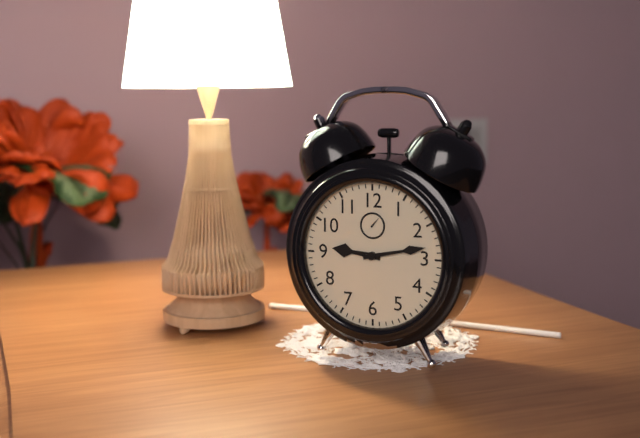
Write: h=9 m=13
